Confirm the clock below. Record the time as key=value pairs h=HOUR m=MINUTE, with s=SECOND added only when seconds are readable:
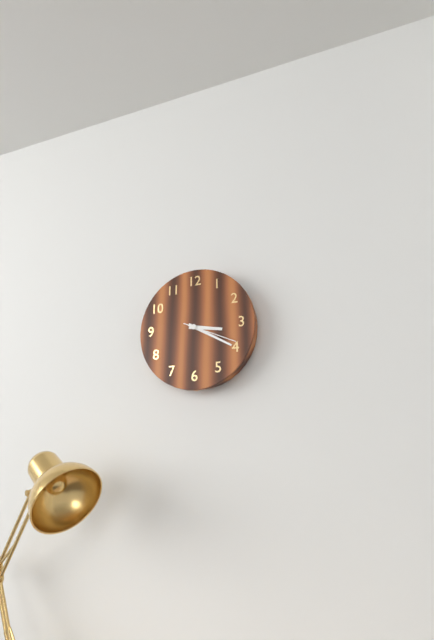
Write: h=3 m=20 s=19
